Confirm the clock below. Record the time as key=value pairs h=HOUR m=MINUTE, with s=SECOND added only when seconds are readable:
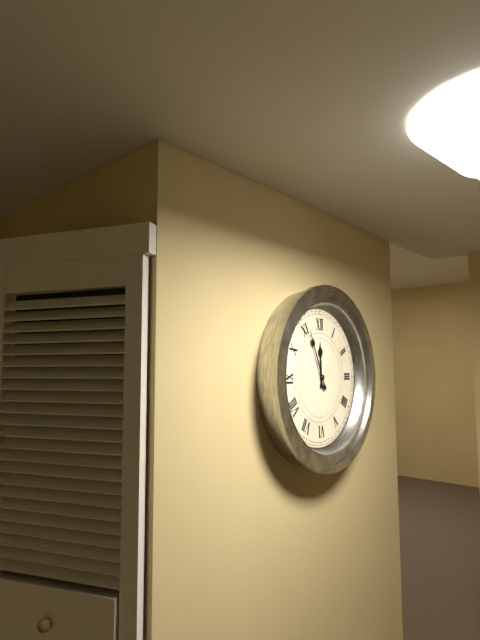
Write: h=11 m=56
